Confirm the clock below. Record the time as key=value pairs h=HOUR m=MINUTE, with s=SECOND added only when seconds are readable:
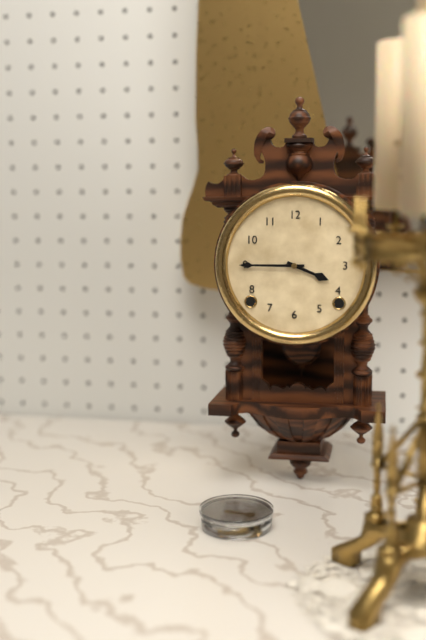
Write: h=3 m=45
